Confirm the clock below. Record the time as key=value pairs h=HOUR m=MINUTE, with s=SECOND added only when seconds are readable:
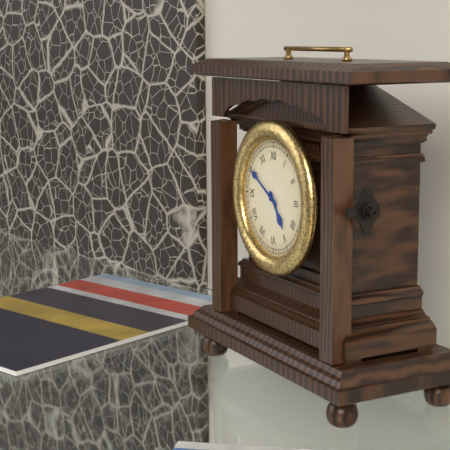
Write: h=4 m=50
